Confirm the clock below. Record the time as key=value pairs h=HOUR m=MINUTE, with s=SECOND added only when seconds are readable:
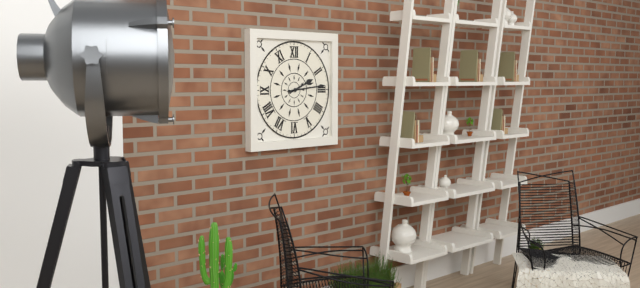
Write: h=2 m=14
